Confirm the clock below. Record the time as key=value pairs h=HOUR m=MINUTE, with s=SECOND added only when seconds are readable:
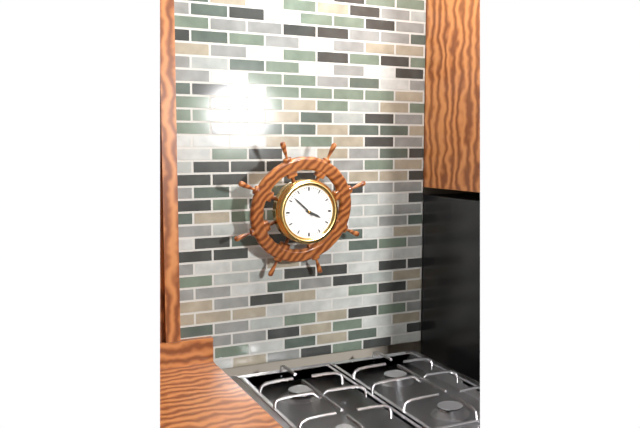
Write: h=3 m=52
